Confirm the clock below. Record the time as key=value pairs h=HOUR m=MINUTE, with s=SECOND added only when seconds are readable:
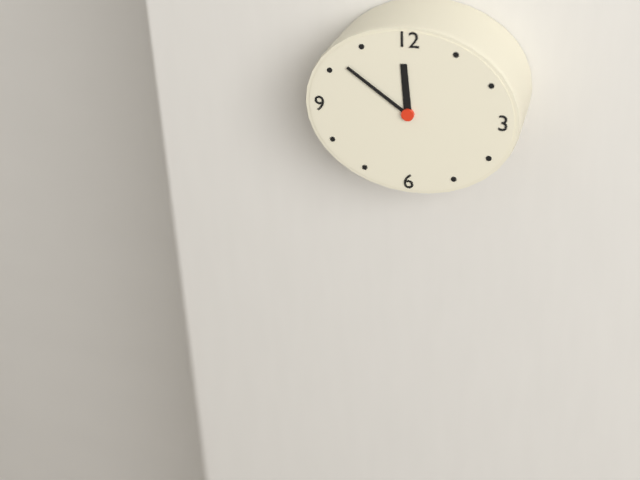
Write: h=11 m=51
